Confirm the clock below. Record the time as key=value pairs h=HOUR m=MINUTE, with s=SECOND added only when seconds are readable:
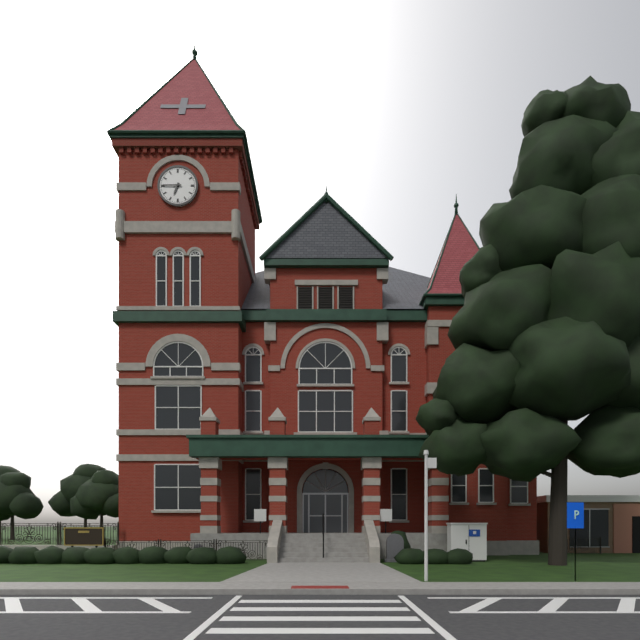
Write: h=6 m=45
